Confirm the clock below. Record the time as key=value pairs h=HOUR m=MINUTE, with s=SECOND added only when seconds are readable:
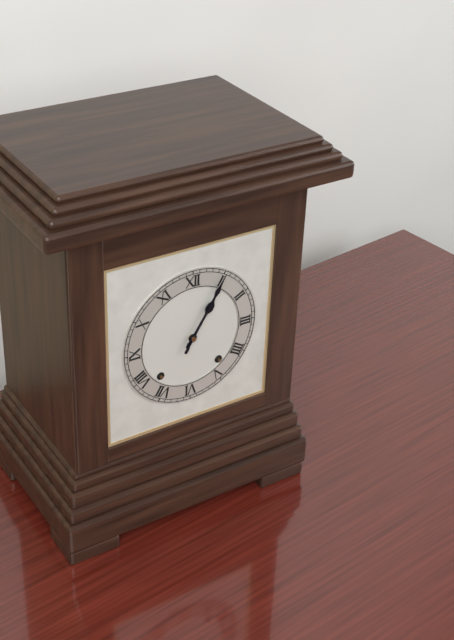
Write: h=1 m=5
